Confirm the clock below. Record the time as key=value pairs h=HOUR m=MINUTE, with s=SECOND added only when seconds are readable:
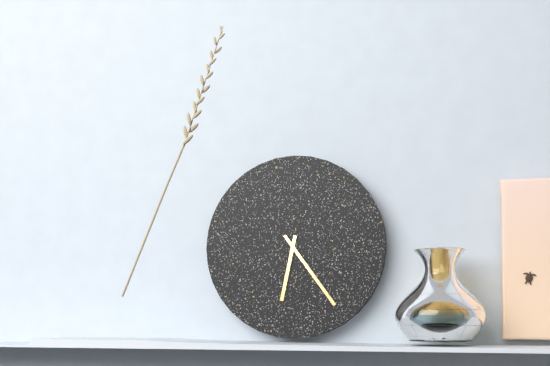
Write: h=6 m=24
